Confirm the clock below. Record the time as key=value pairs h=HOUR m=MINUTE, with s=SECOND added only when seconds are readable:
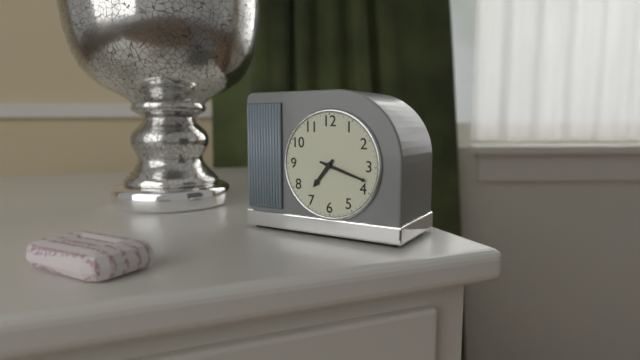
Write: h=7 m=18
